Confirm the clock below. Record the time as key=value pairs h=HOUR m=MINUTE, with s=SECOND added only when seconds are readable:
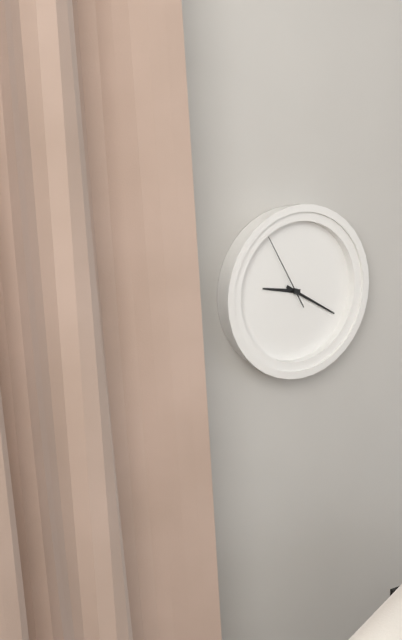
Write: h=9 m=20 s=55
